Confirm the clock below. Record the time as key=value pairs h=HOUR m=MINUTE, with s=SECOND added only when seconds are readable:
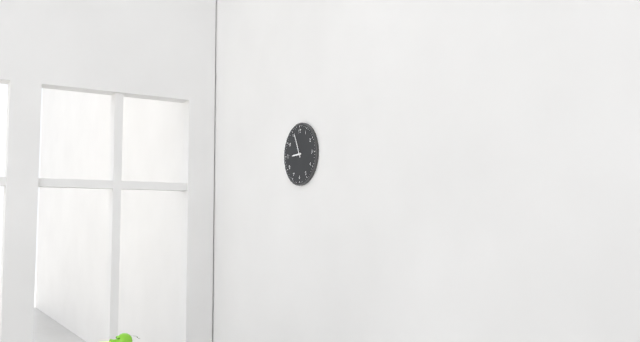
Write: h=8 m=56
